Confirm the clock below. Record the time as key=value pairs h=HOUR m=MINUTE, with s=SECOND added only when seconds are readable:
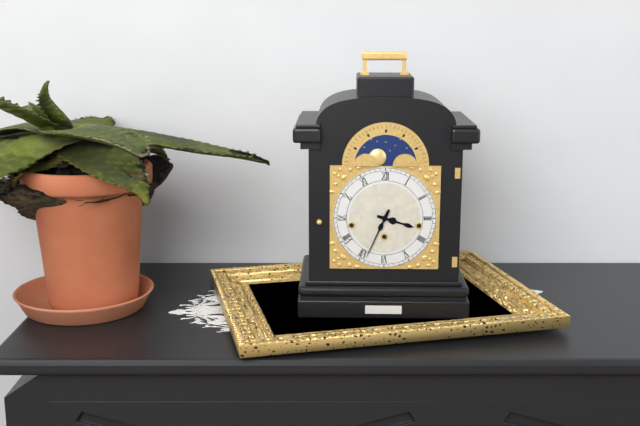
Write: h=3 m=34
